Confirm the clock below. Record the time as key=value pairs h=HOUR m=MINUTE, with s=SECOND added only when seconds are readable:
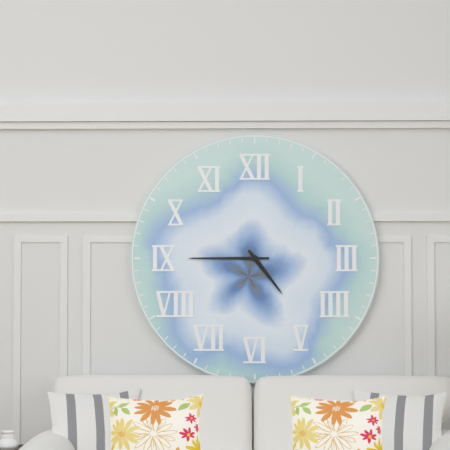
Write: h=4 m=45
